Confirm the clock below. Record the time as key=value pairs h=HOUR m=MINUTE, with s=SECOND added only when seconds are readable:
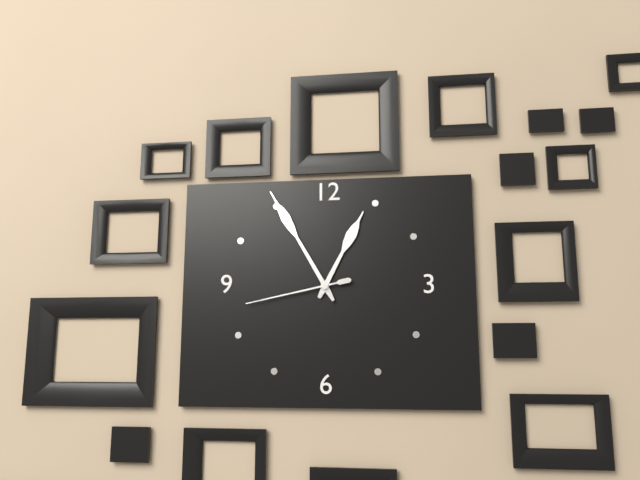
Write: h=12 m=55 s=43
